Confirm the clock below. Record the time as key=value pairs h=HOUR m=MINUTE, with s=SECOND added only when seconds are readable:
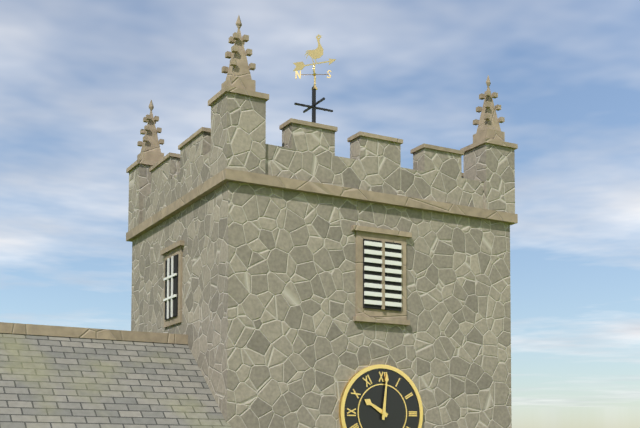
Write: h=10 m=1
